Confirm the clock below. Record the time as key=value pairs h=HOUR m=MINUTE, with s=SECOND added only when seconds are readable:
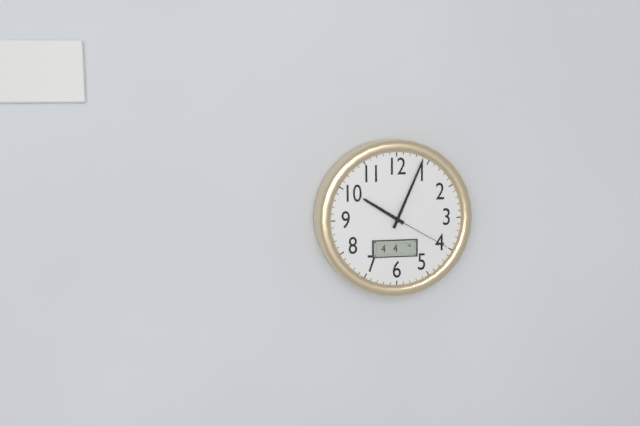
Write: h=10 m=4 s=20
